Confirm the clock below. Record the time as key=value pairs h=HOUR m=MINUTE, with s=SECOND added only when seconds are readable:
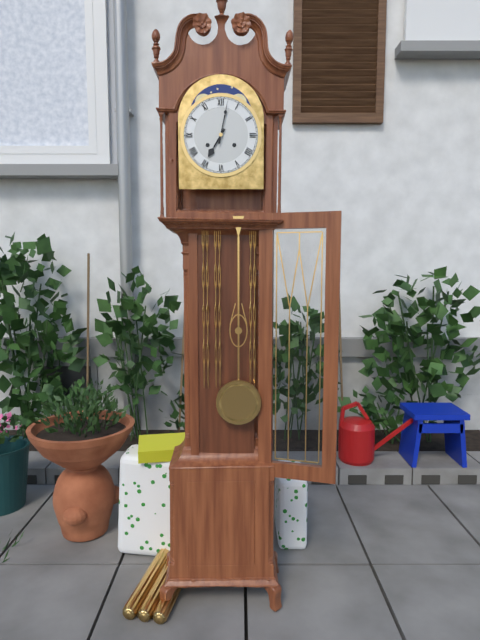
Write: h=7 m=2
